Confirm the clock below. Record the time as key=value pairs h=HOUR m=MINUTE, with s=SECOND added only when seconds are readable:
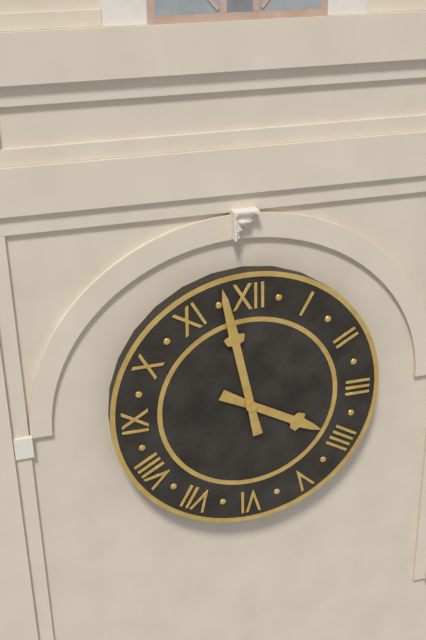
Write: h=3 m=58
